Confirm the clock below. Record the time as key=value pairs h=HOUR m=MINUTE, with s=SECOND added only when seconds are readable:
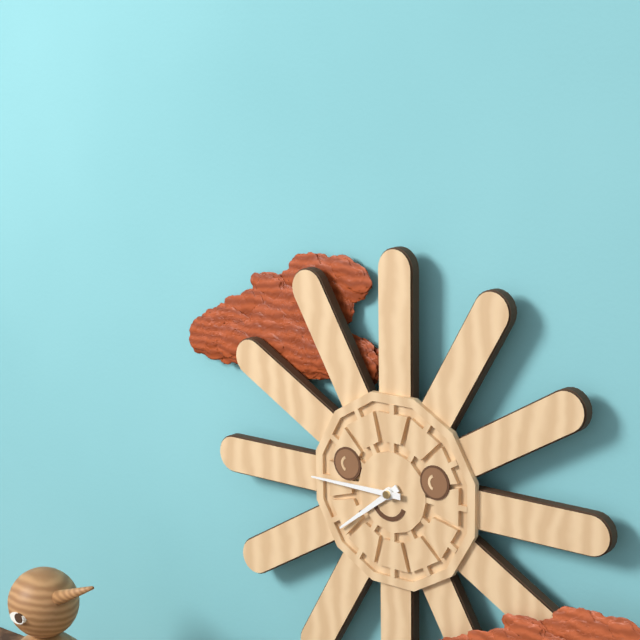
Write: h=7 m=45
